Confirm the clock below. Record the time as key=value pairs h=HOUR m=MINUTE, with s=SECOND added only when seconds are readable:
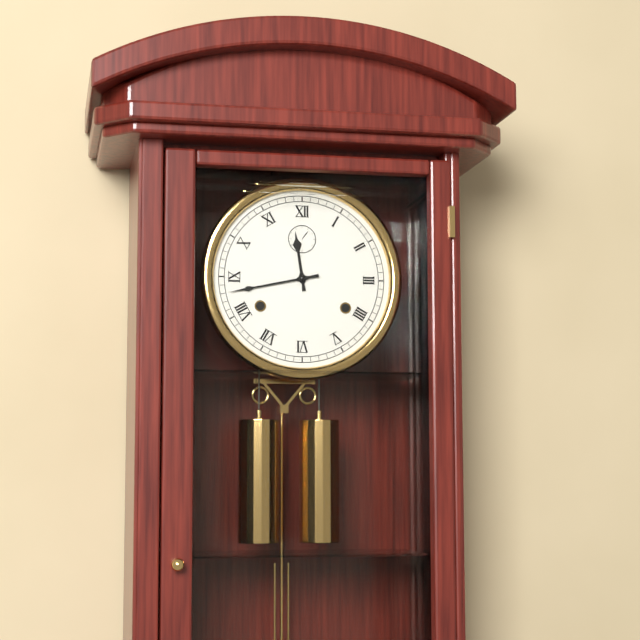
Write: h=11 m=43
